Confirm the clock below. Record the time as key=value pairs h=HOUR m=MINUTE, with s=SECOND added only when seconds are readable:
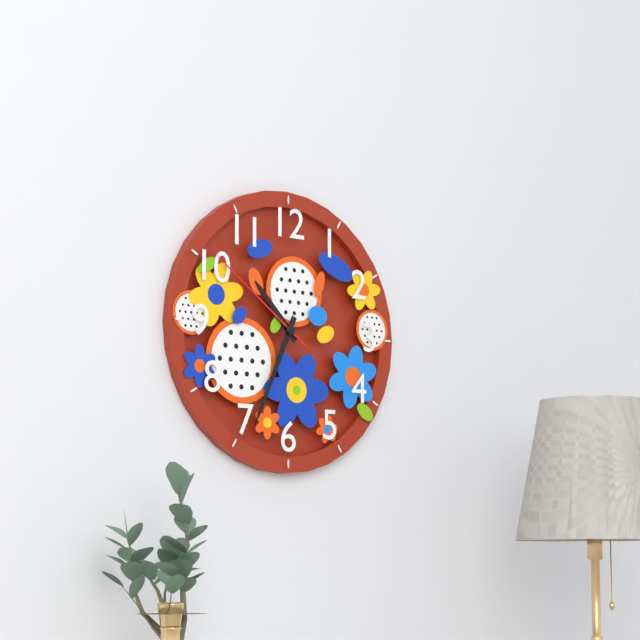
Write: h=10 m=34 s=51
